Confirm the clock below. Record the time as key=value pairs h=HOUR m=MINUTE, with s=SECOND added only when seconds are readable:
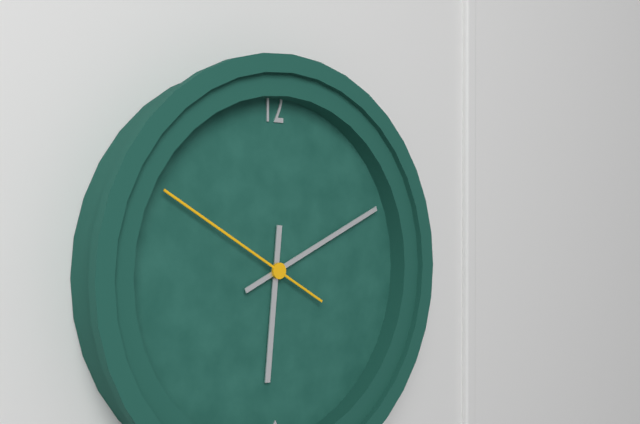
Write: h=6 m=11 s=50
